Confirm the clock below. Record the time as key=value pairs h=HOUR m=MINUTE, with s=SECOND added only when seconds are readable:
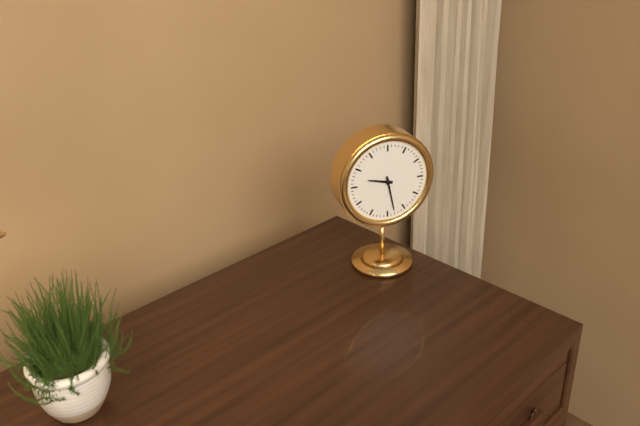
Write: h=9 m=28
